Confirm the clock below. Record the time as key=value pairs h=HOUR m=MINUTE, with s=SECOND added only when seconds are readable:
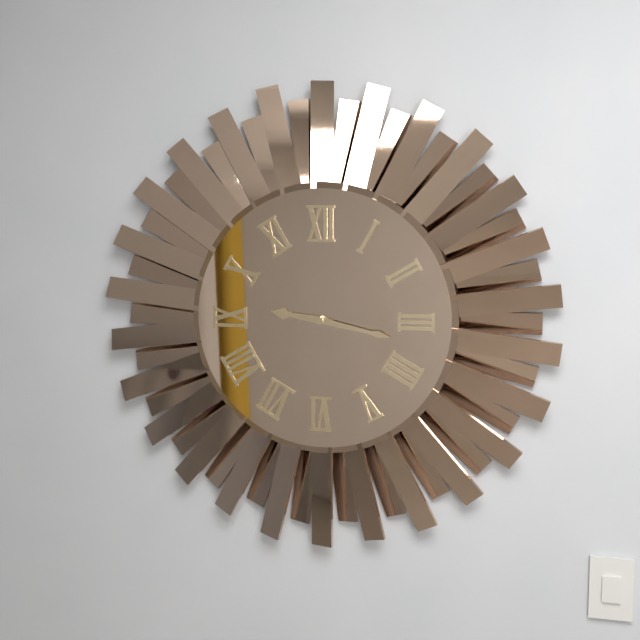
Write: h=9 m=17
